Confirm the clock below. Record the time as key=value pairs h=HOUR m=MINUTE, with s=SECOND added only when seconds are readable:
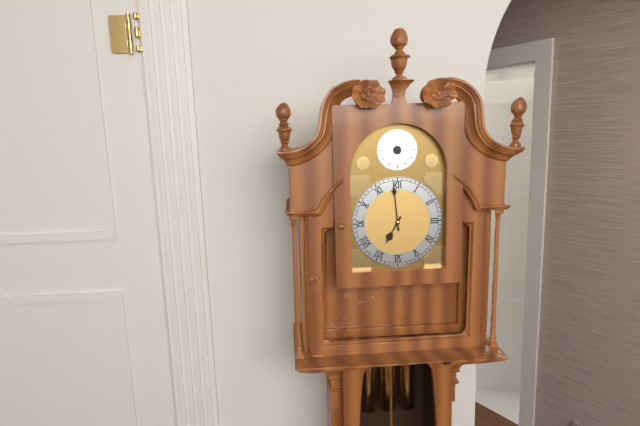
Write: h=6 m=59
